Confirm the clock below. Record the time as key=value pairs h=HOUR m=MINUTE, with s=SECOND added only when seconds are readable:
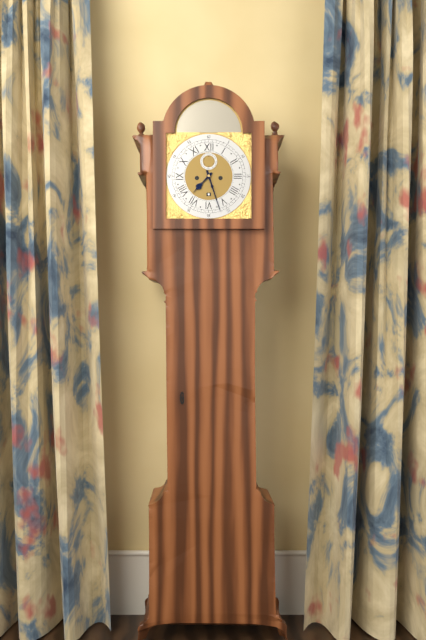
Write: h=7 m=27
